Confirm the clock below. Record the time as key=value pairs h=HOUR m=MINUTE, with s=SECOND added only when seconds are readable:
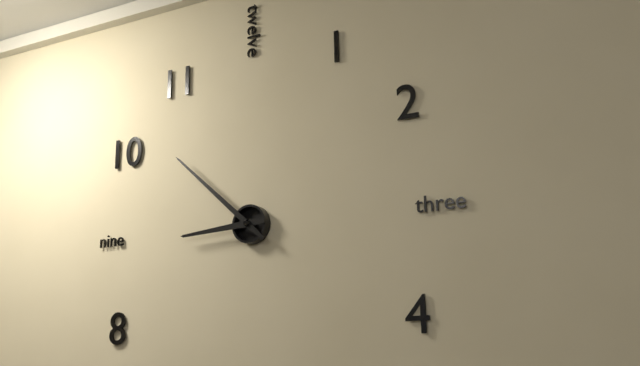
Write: h=8 m=52
